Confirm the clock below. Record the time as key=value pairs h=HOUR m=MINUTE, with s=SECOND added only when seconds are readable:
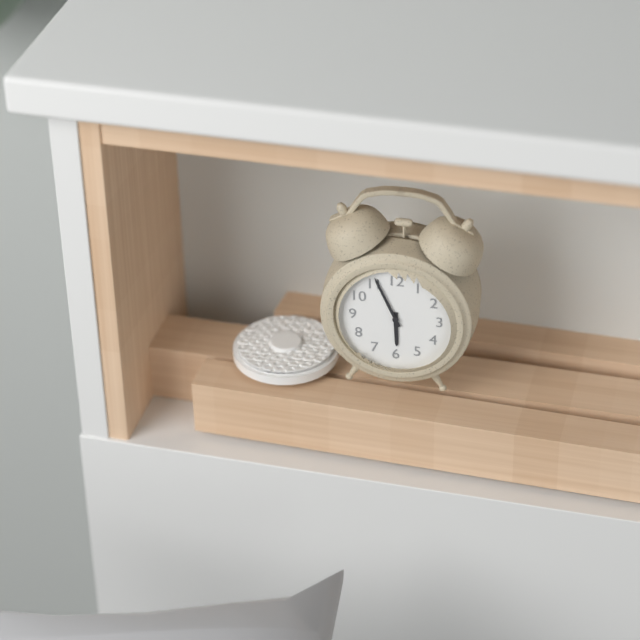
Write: h=5 m=56
